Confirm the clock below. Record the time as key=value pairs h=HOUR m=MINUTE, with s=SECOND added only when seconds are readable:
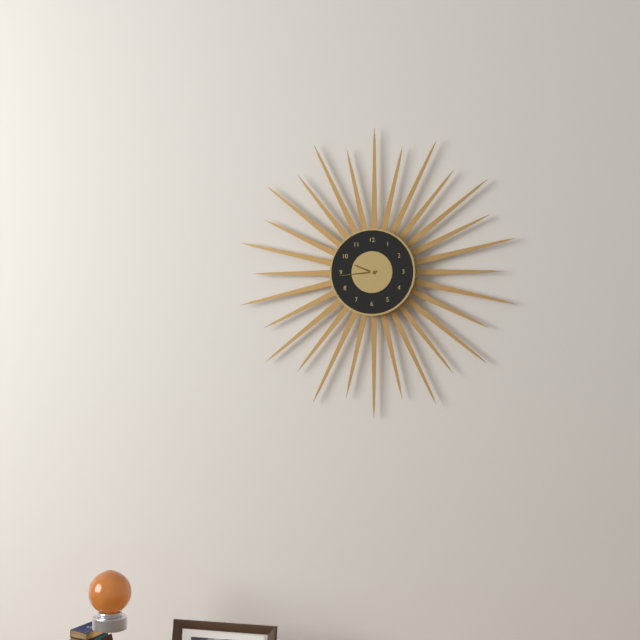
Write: h=9 m=44
